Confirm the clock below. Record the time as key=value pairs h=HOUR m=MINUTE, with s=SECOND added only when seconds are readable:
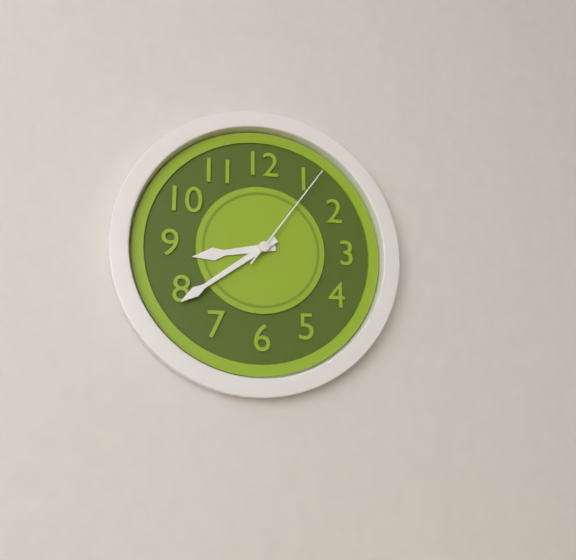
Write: h=8 m=39 s=6
